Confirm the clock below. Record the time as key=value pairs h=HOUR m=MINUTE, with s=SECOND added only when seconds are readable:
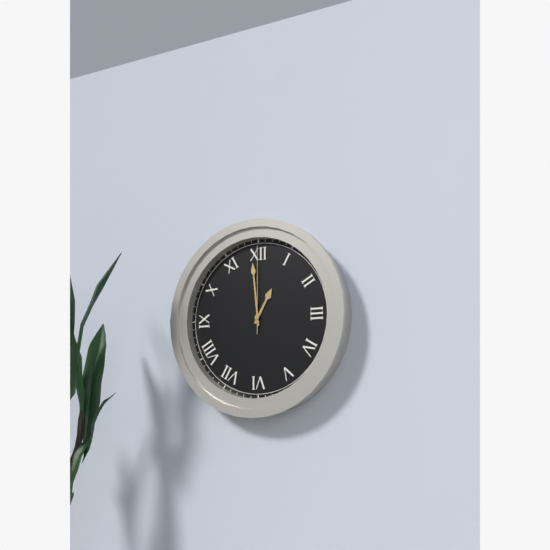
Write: h=12 m=59 s=0
